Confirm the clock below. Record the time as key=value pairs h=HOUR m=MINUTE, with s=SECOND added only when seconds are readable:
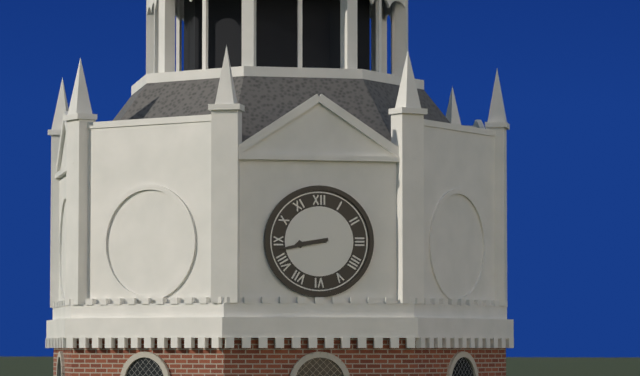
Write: h=8 m=43
